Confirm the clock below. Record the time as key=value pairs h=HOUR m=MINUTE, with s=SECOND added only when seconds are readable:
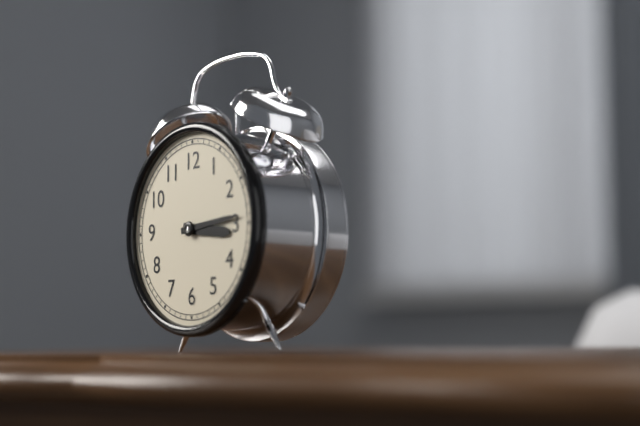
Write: h=3 m=14
